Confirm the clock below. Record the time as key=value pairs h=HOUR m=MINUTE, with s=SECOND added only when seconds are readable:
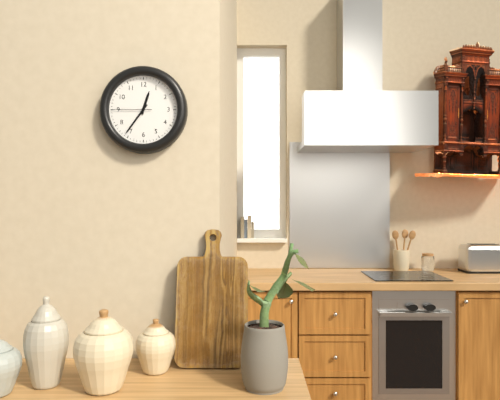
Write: h=12 m=36
